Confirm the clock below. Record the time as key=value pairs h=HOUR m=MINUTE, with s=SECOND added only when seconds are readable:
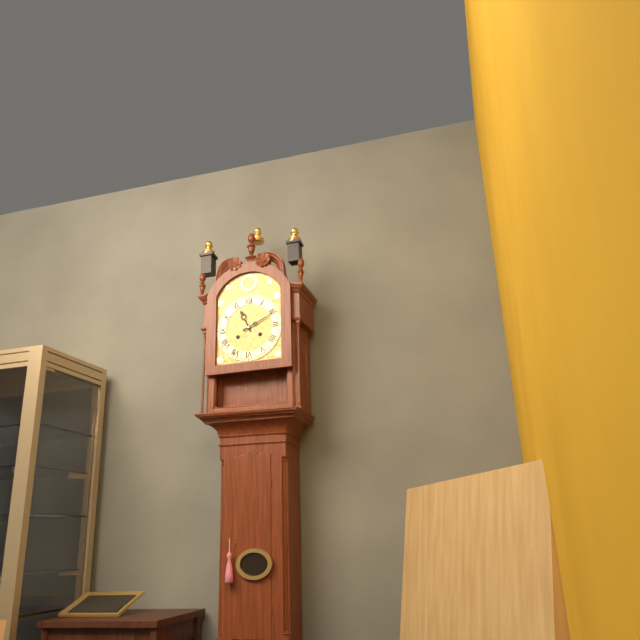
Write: h=11 m=11
